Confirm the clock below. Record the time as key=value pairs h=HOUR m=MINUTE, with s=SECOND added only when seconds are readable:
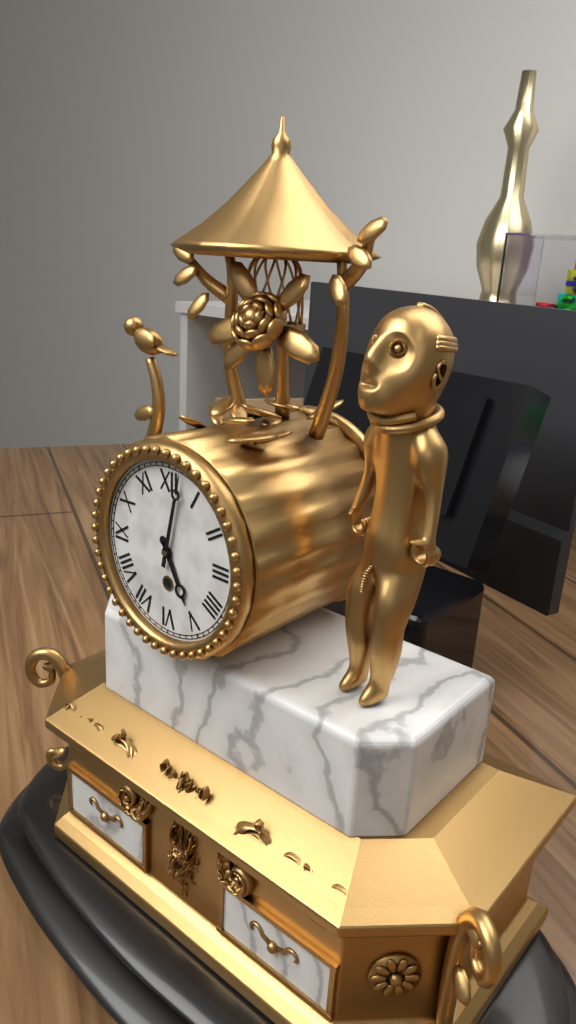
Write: h=5 m=2
